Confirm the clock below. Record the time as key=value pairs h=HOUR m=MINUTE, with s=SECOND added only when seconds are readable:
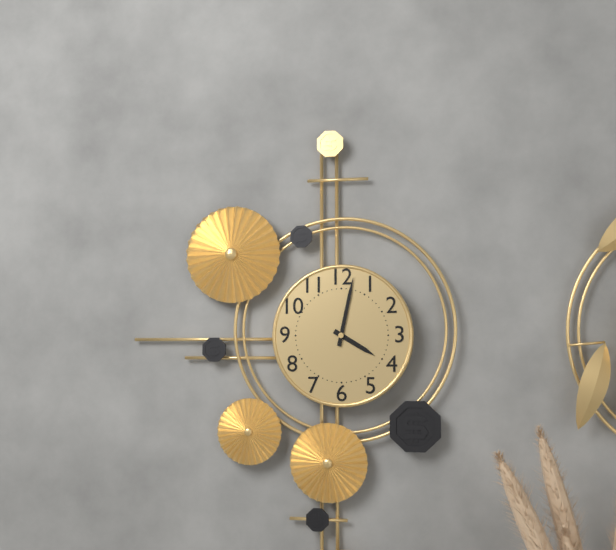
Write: h=4 m=2
